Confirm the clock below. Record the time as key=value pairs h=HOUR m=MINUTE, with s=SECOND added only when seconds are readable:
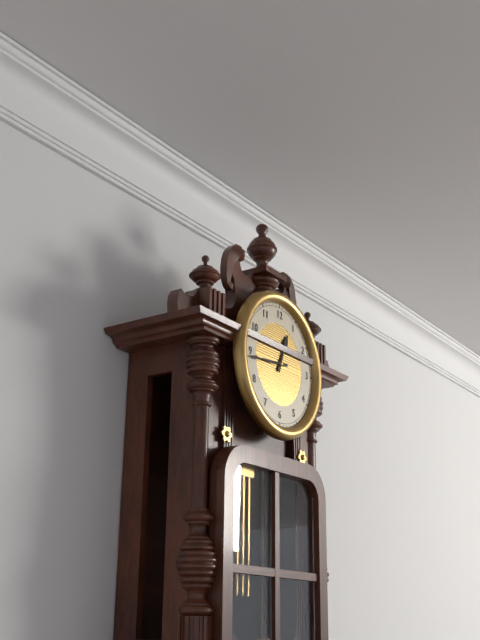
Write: h=12 m=44
